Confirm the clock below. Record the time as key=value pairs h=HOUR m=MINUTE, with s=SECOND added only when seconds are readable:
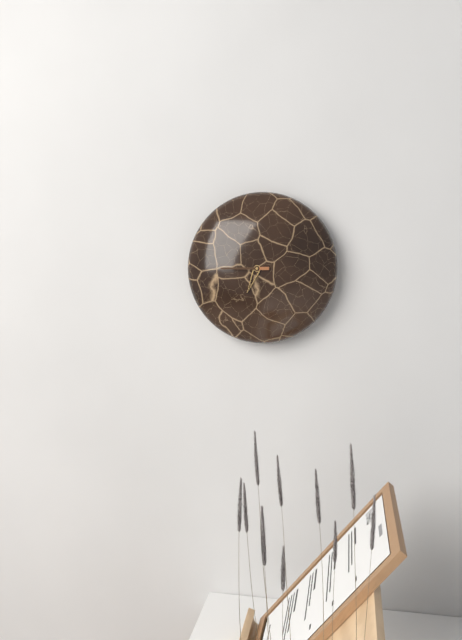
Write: h=6 m=45
